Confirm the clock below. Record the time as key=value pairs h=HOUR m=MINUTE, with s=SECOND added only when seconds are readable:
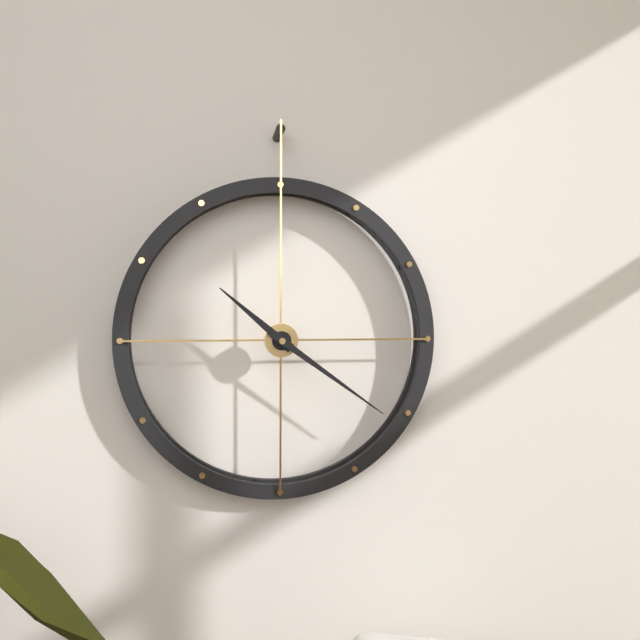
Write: h=10 m=21
